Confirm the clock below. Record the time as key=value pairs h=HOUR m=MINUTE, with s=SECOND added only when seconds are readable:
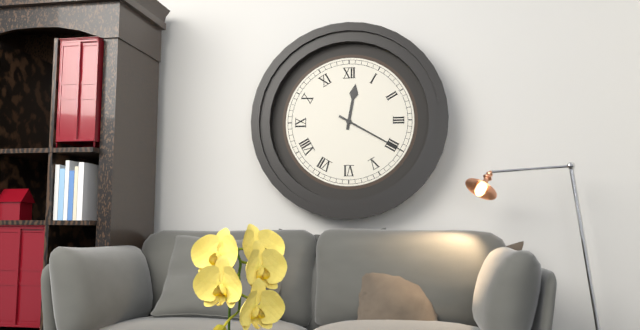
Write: h=12 m=20
